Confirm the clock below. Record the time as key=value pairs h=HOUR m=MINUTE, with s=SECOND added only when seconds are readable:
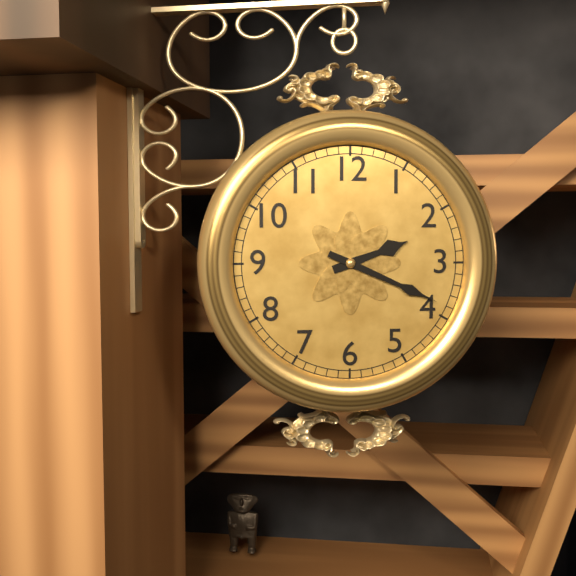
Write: h=2 m=19
